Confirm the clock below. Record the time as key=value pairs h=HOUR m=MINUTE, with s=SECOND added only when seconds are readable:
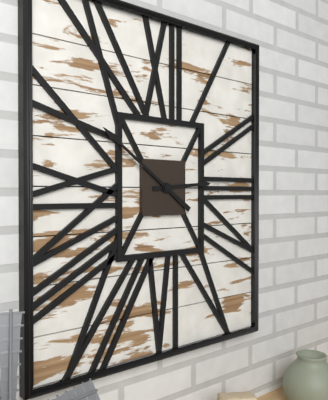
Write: h=2 m=51
